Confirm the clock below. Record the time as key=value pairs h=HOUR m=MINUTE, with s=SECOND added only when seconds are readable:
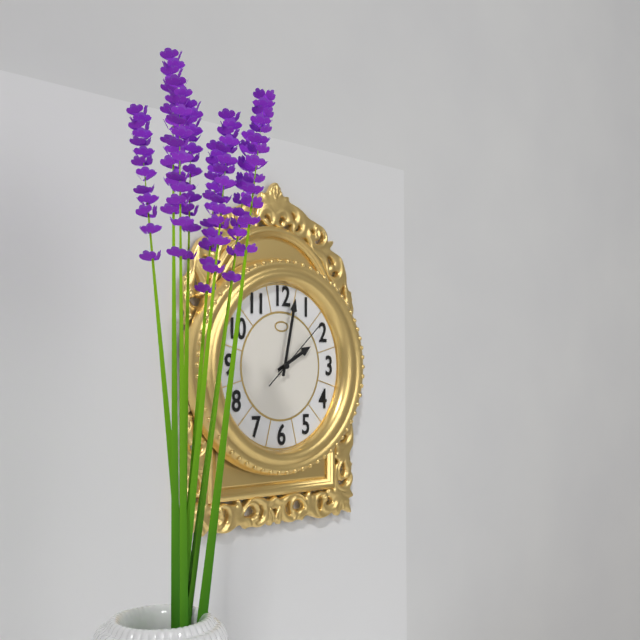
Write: h=2 m=2 s=8
